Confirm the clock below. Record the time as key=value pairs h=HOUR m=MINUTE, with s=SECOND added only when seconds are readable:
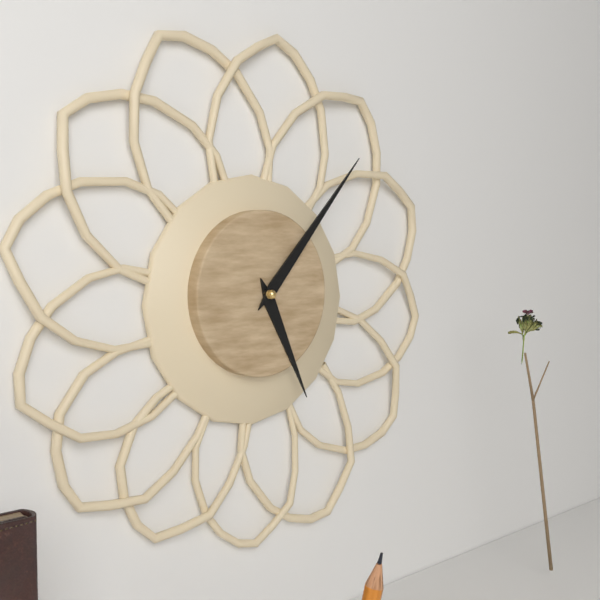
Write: h=5 m=7
